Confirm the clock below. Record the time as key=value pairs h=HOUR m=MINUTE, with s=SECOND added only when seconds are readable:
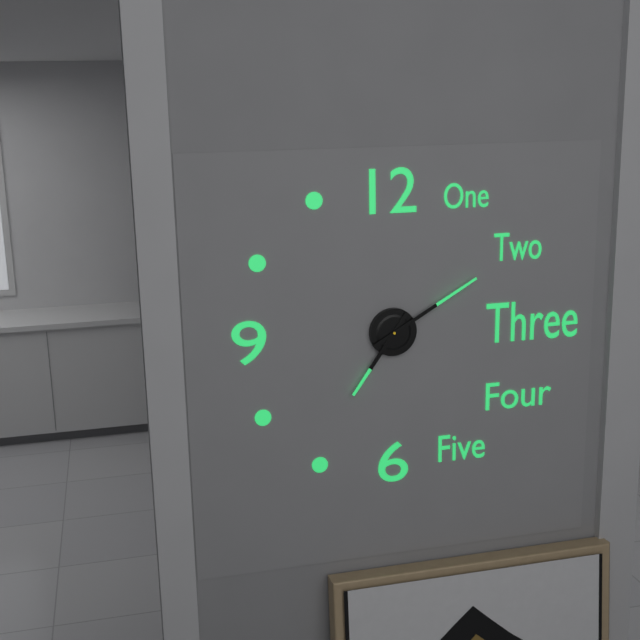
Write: h=7 m=10
